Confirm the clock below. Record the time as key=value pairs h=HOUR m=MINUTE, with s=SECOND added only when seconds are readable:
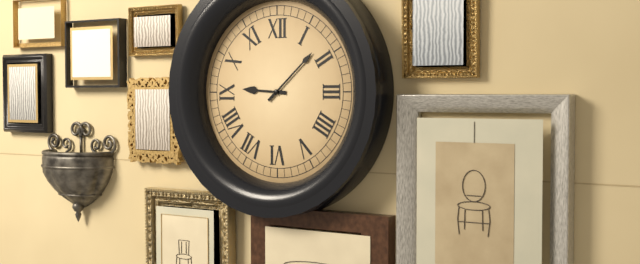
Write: h=9 m=8
